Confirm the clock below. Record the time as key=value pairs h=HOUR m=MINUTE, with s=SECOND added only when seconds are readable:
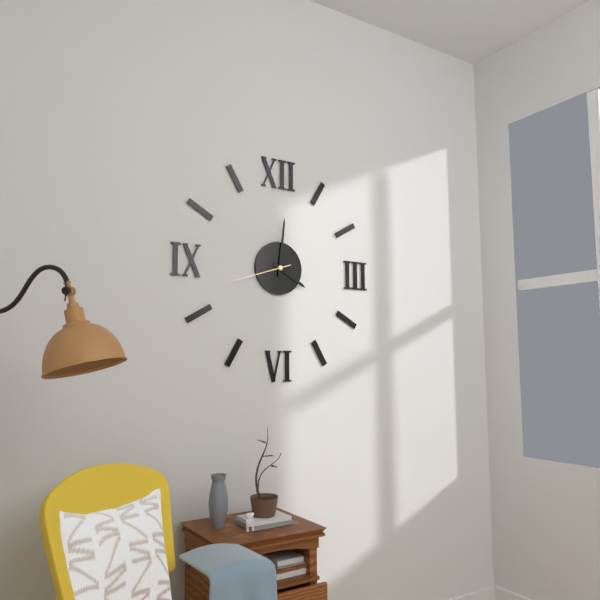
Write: h=4 m=1 s=42
